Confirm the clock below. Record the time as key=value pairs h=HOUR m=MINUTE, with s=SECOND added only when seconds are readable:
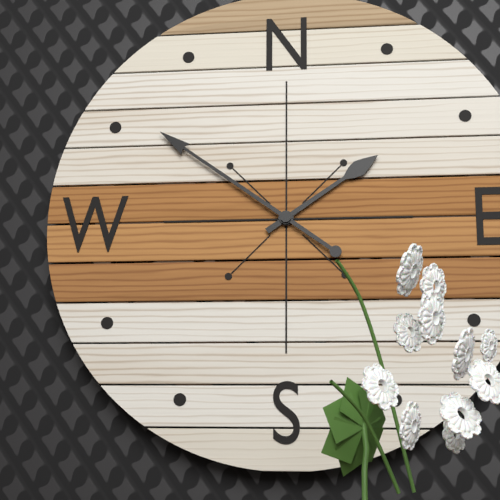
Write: h=1 m=51
